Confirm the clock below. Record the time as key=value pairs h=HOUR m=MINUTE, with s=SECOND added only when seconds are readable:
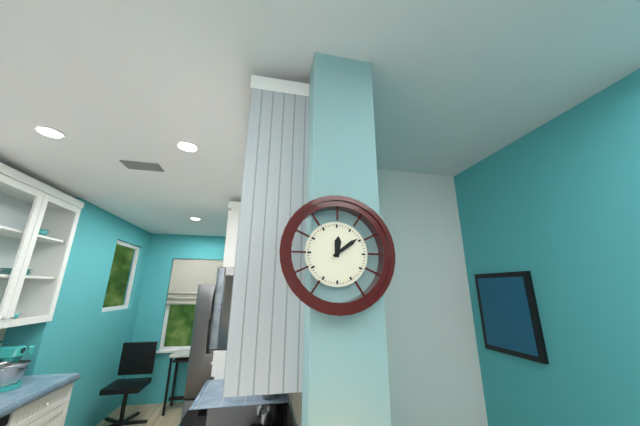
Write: h=12 m=9
